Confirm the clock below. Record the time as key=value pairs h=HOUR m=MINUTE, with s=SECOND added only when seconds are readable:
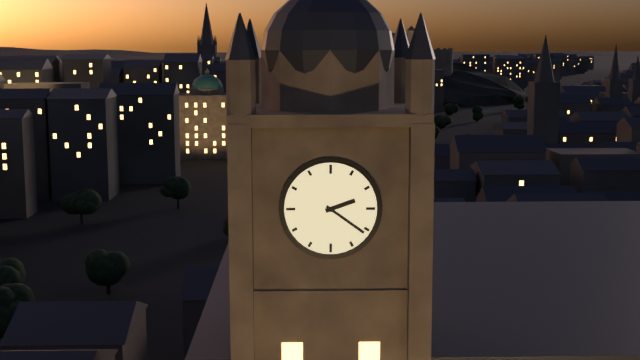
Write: h=2 m=21
